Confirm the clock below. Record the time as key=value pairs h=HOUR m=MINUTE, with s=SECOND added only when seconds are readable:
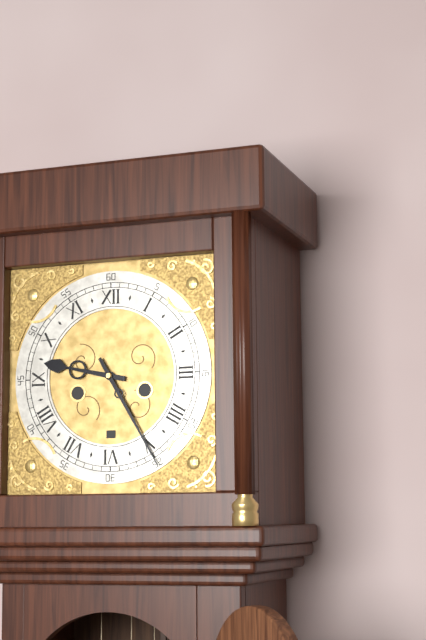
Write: h=9 m=25
